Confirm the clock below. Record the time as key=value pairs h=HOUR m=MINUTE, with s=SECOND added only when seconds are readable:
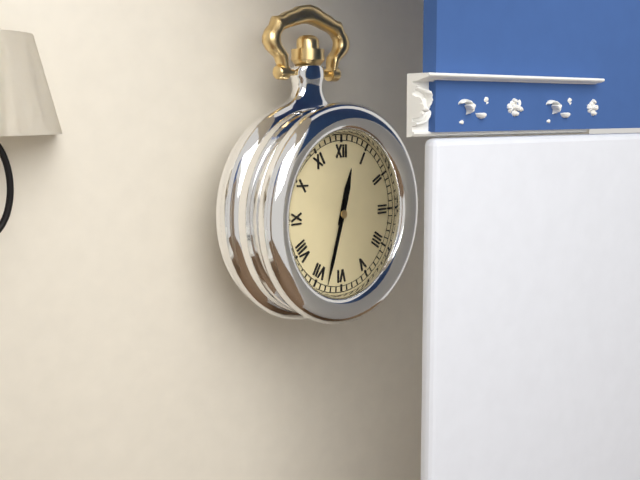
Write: h=12 m=33
